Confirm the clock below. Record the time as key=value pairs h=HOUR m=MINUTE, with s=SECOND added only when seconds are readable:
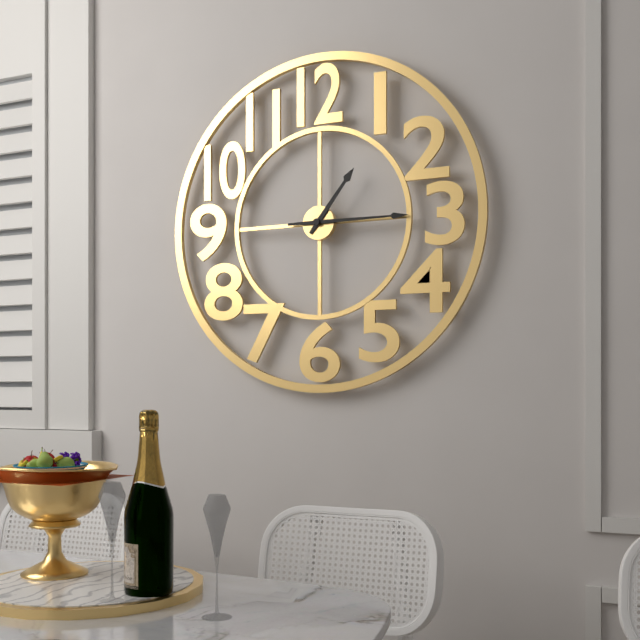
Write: h=1 m=15
